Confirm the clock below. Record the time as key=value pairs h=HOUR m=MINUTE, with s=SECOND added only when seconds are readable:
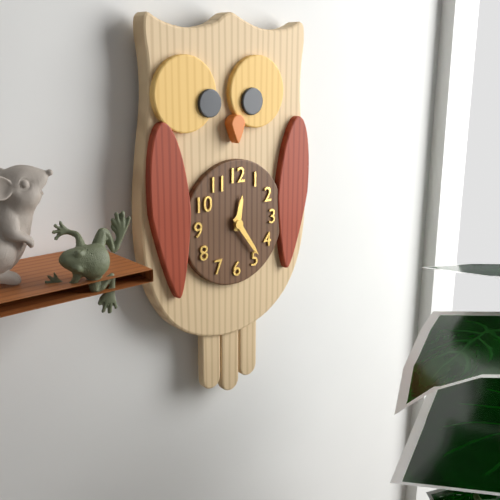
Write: h=12 m=24
